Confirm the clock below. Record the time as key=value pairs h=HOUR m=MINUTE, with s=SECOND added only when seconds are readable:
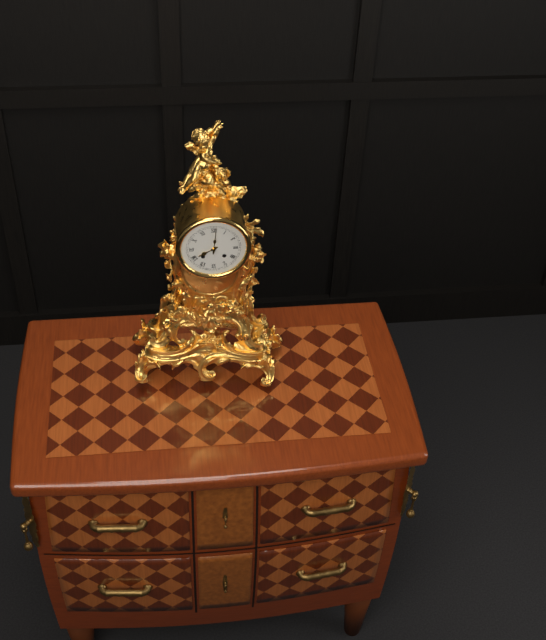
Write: h=8 m=1
